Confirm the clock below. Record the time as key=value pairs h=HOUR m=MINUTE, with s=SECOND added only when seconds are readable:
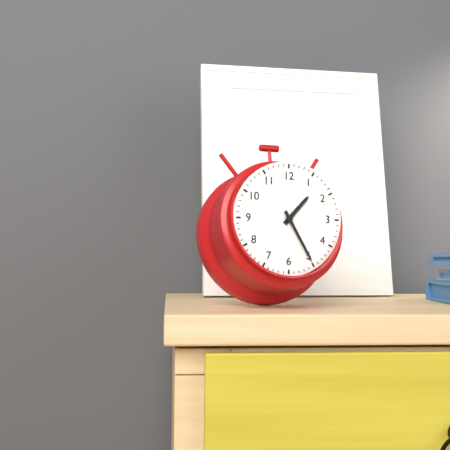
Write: h=1 m=25
